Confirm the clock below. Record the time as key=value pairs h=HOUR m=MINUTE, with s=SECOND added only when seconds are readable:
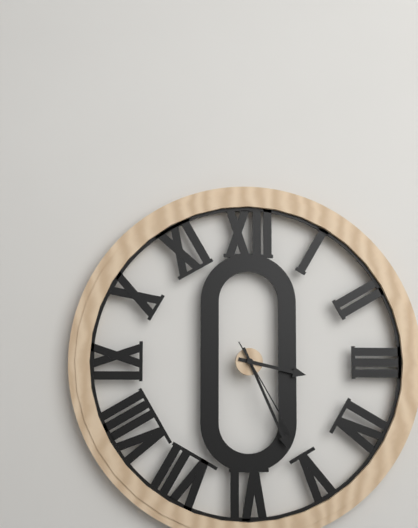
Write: h=3 m=26 s=25
